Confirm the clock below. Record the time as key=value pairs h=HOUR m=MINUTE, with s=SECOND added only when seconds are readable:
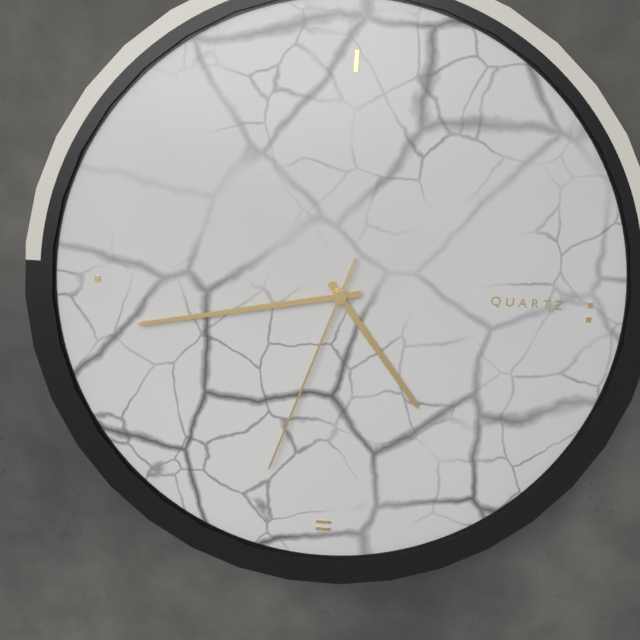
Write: h=4 m=43 s=33
